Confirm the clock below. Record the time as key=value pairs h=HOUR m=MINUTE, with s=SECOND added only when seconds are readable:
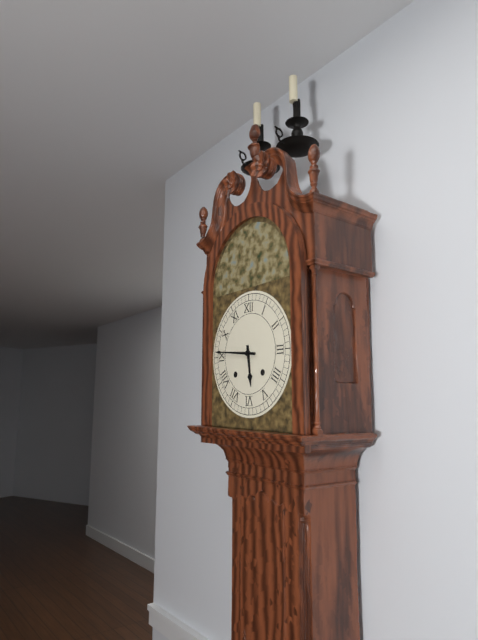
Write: h=5 m=46
